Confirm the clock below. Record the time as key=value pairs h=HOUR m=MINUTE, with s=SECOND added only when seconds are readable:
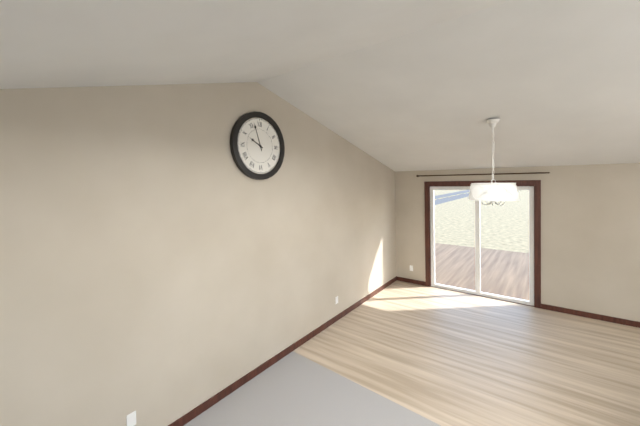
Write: h=9 m=57
